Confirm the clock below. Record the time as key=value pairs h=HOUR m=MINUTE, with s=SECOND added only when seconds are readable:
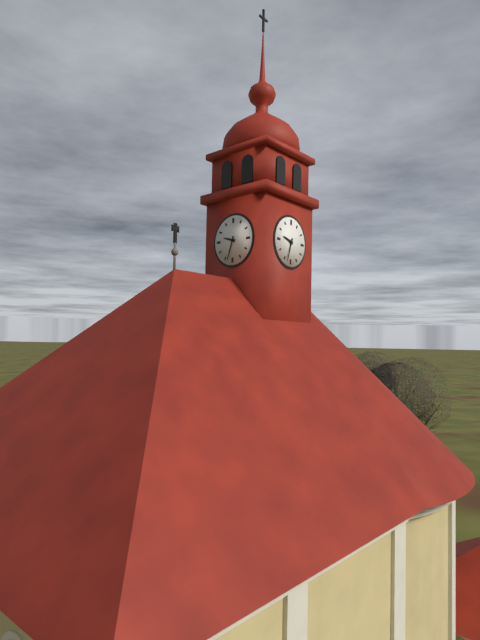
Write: h=9 m=33
